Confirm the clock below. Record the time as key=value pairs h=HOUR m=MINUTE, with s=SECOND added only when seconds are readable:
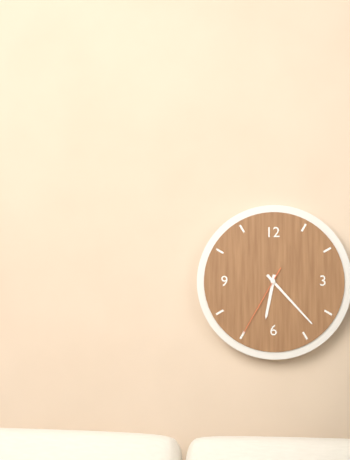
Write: h=6 m=23 s=35
